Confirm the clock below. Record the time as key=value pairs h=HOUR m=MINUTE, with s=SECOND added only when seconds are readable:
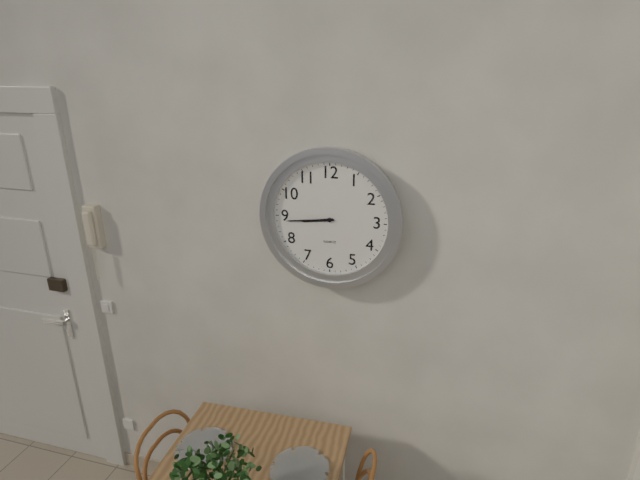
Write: h=8 m=44
